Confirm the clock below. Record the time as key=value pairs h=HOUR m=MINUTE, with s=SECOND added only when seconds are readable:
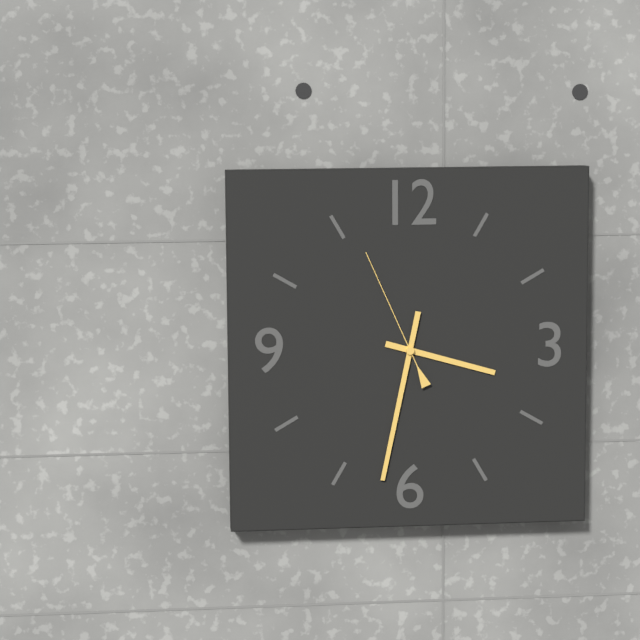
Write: h=3 m=32 s=56
